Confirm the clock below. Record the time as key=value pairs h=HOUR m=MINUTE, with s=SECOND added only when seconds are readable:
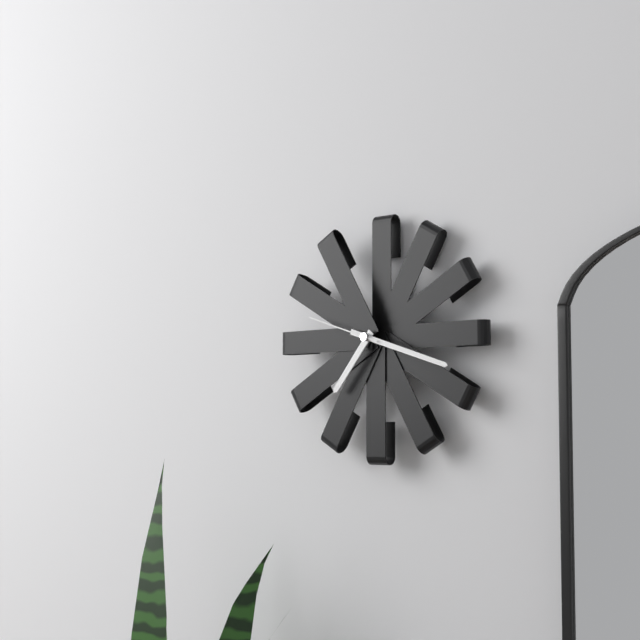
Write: h=7 m=18 s=48
